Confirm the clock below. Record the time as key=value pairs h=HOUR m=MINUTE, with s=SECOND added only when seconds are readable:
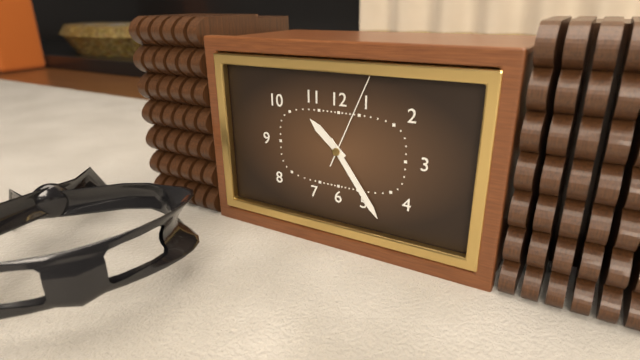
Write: h=10 m=24 s=4
